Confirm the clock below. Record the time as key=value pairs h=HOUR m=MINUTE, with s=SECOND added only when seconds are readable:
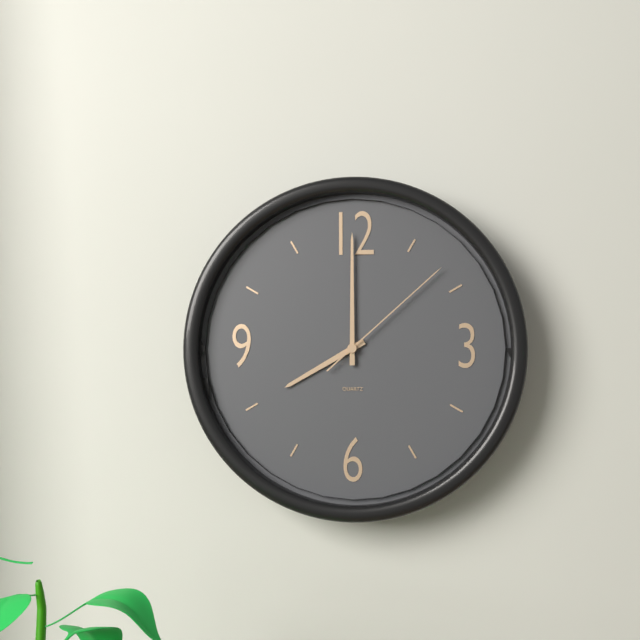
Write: h=8 m=0 s=8
